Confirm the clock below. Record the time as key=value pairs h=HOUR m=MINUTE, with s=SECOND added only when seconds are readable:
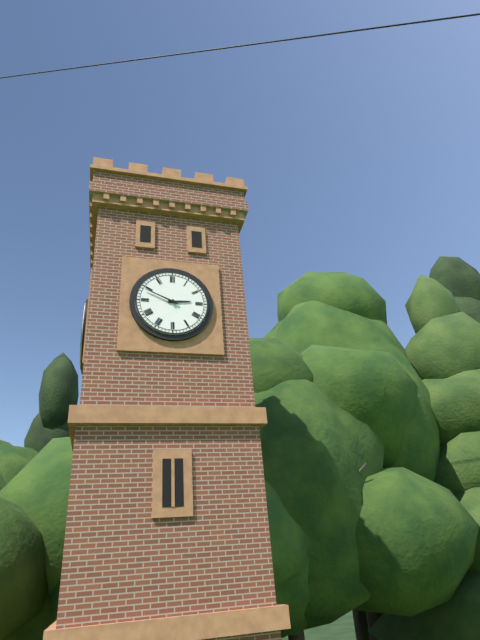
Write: h=2 m=49
